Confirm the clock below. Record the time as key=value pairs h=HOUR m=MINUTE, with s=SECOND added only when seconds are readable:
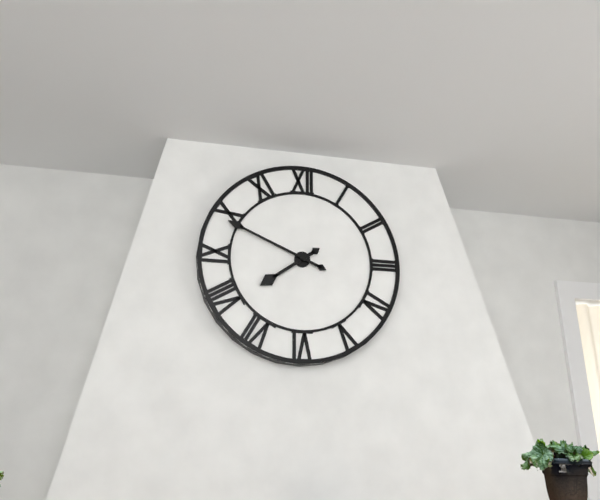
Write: h=7 m=49
